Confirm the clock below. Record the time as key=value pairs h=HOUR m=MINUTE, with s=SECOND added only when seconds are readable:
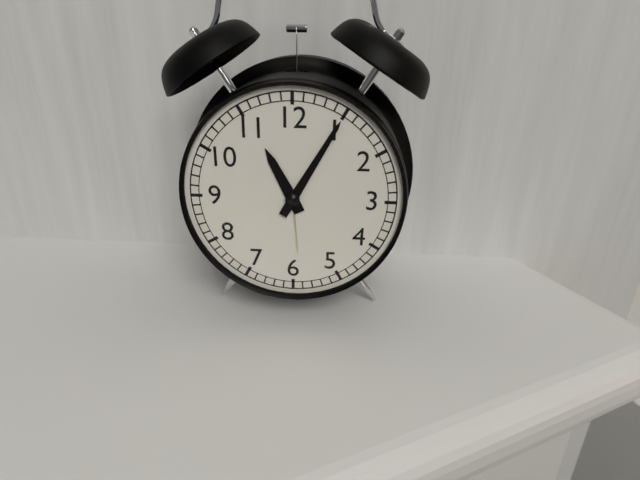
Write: h=11 m=5
